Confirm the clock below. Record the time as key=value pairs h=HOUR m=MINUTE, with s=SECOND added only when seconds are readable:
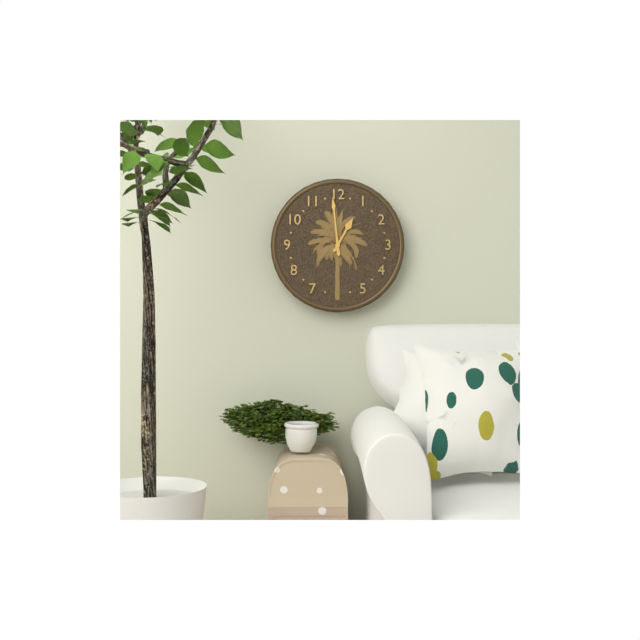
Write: h=12 m=59
